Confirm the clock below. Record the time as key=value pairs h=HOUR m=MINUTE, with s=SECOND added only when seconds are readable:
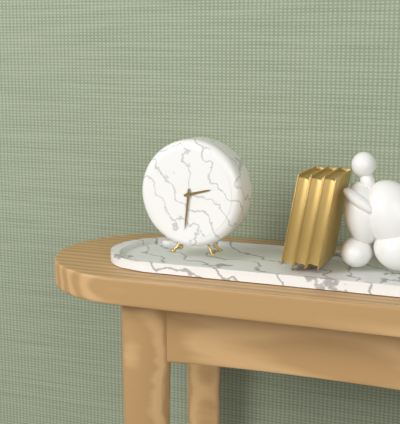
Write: h=2 m=31
